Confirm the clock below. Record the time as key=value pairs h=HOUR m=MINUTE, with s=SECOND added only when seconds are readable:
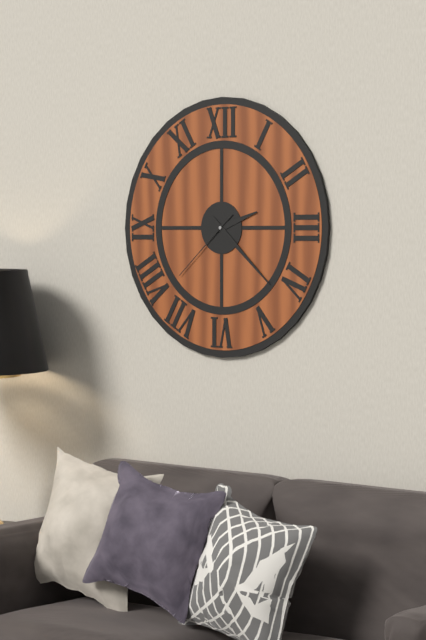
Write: h=2 m=22 s=38
